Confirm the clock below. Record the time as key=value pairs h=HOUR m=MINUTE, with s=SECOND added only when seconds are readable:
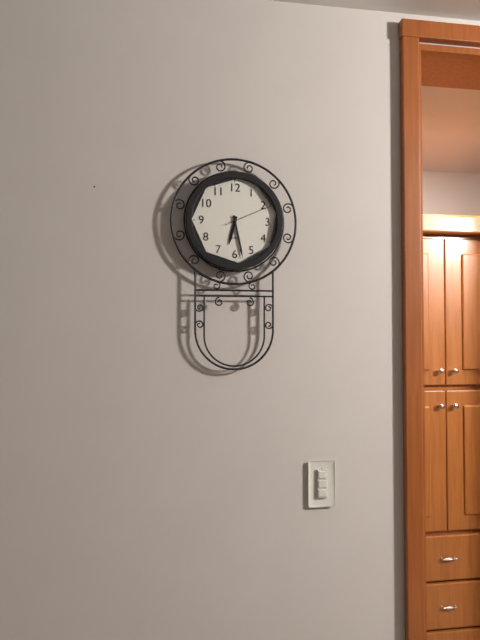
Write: h=6 m=28
